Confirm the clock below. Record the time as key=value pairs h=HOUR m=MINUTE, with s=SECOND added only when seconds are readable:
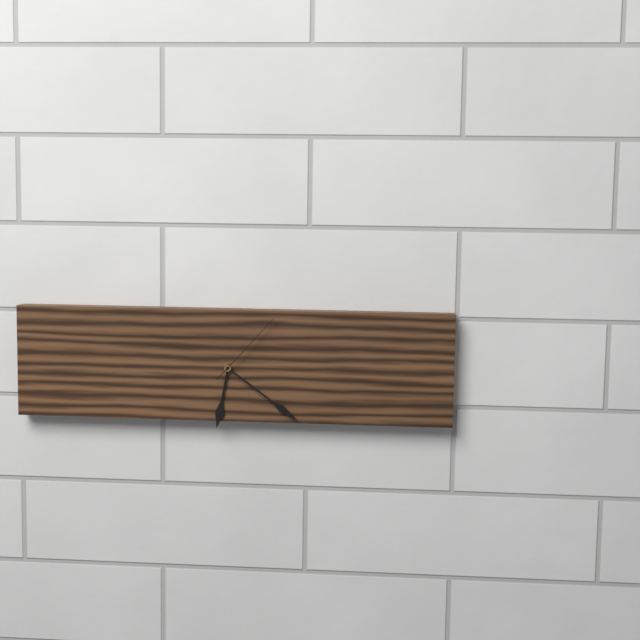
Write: h=6 m=21 s=7
